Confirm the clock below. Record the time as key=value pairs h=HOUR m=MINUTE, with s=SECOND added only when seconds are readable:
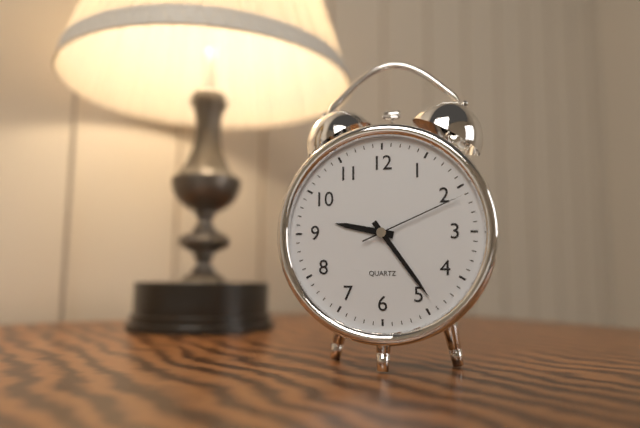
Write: h=9 m=24 s=11
